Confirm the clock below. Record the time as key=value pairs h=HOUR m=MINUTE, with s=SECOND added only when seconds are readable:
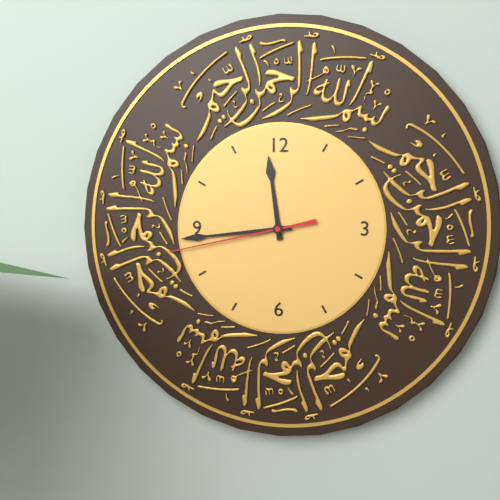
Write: h=11 m=44 s=43
